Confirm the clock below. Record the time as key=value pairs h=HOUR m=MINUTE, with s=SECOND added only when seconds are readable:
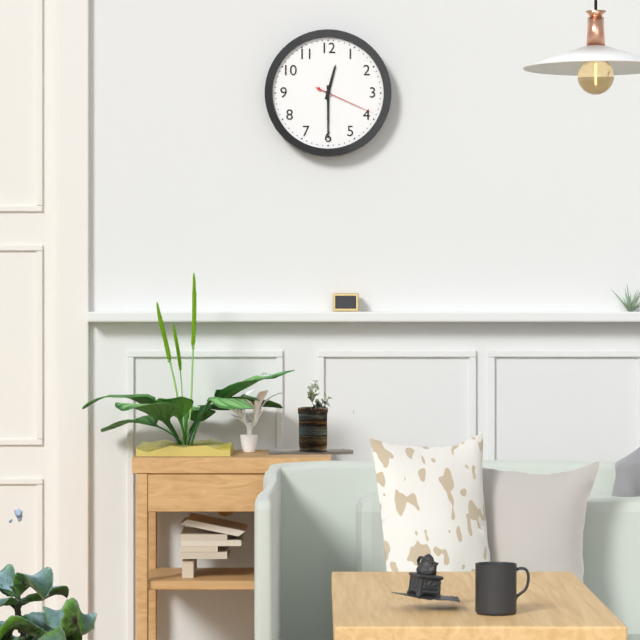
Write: h=12 m=30 s=19
